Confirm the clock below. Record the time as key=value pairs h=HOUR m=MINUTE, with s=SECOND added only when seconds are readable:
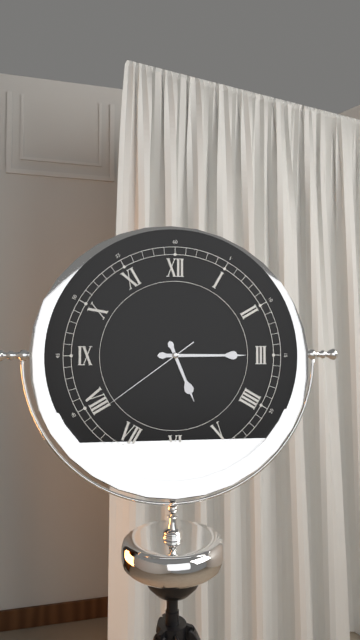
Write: h=5 m=15 s=39
